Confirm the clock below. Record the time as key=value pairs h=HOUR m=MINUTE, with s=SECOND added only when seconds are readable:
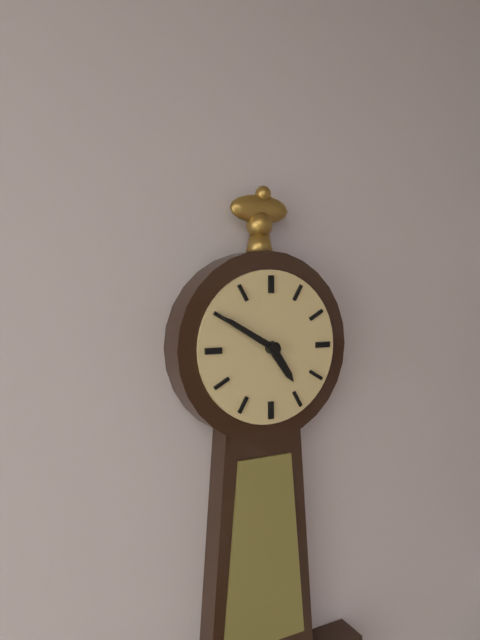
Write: h=4 m=50
